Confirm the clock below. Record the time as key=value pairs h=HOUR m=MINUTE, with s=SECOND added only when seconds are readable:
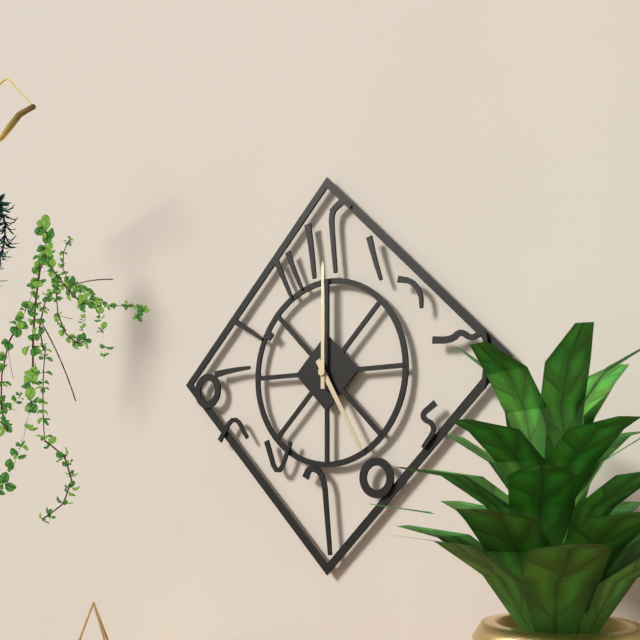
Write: h=5 m=0
